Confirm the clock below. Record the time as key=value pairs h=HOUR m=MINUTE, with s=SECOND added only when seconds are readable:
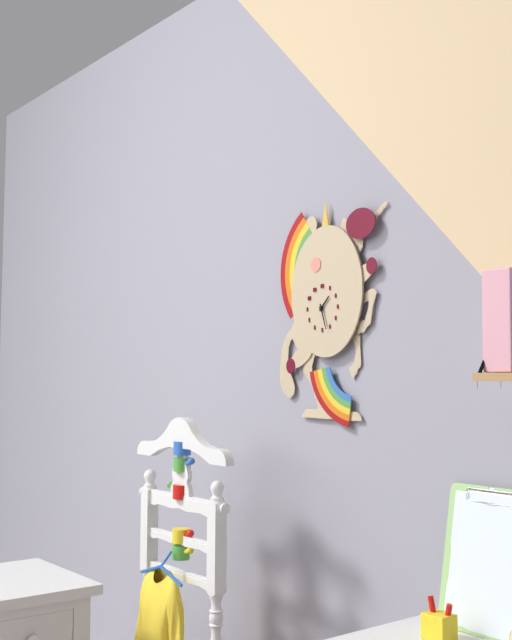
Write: h=1 m=27
